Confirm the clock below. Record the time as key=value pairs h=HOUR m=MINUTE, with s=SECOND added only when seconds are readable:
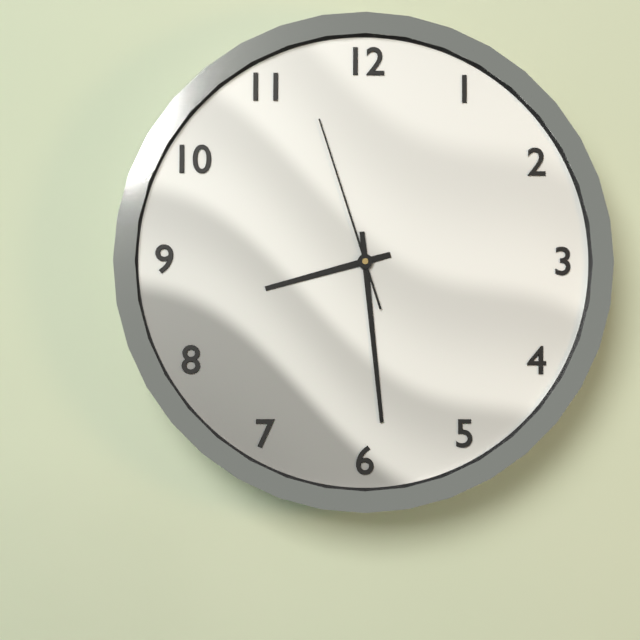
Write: h=8 m=29 s=57
